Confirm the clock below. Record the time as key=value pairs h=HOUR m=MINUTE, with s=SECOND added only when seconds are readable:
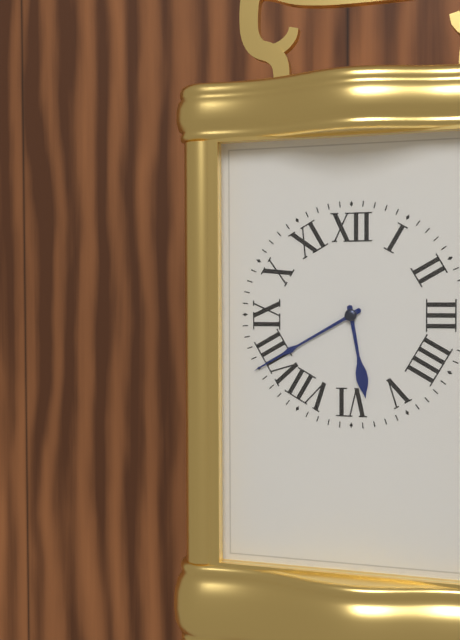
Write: h=5 m=40
